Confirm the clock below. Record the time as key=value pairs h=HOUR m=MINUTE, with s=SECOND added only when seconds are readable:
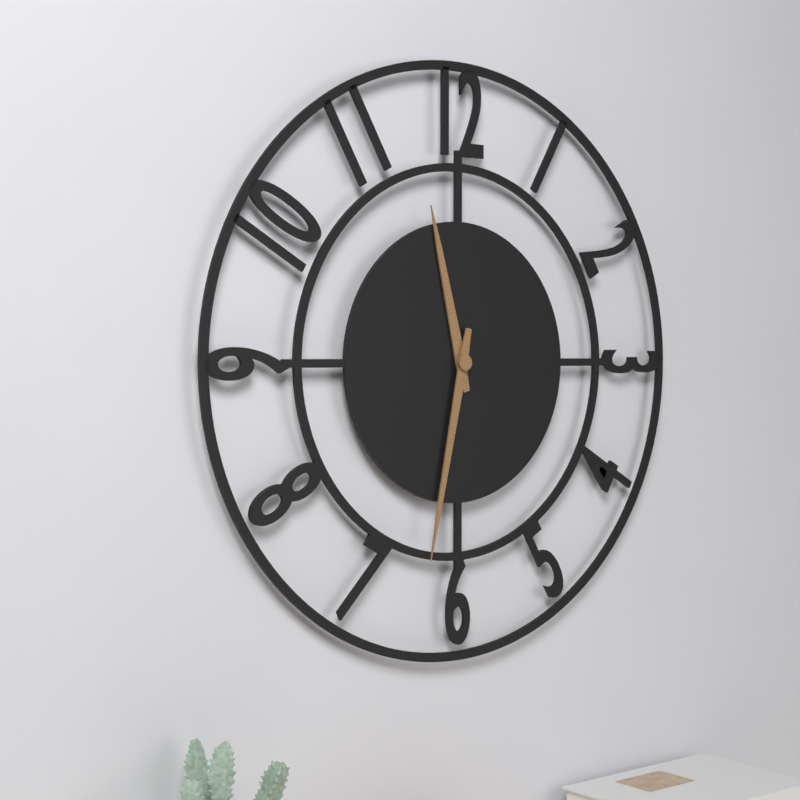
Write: h=11 m=32
